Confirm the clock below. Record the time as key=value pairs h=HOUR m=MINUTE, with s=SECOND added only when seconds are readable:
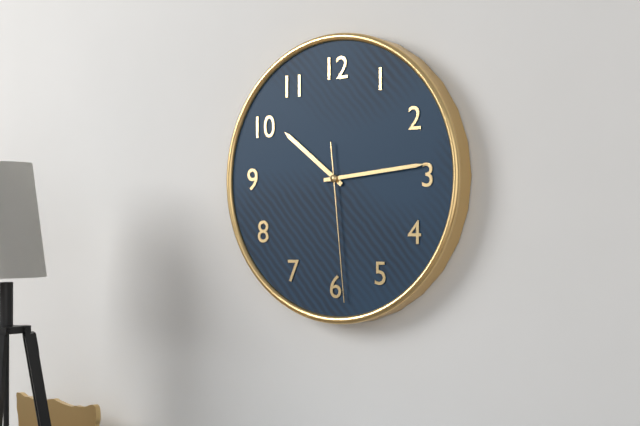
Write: h=10 m=14 s=29
